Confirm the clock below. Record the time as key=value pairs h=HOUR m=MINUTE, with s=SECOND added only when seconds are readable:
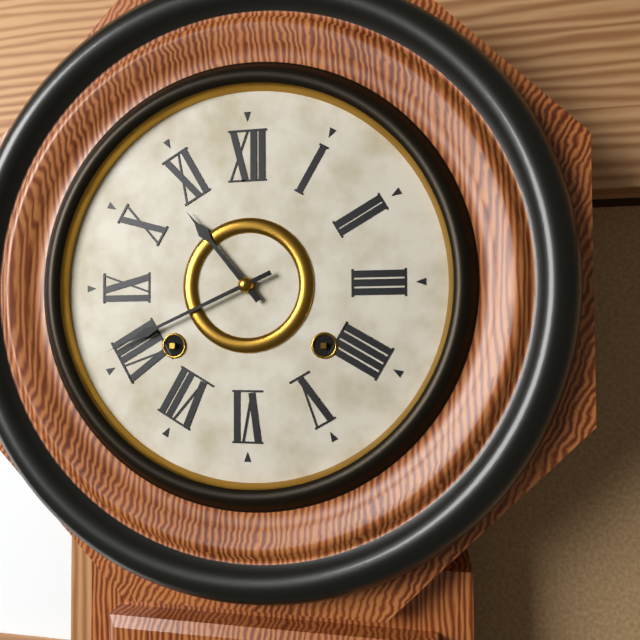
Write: h=10 m=41
